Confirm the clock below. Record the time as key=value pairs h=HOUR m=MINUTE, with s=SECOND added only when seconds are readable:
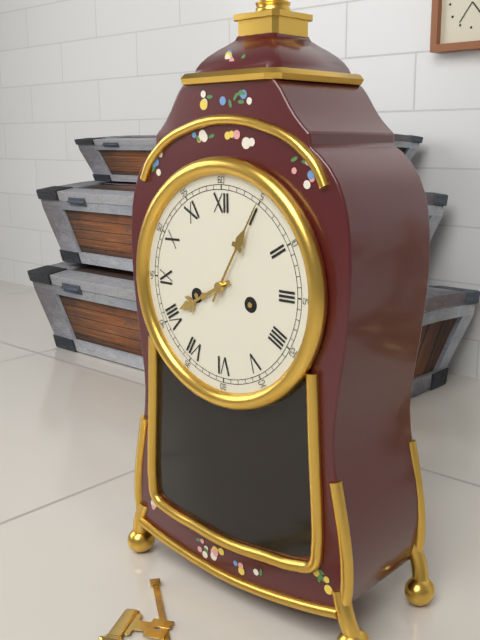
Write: h=8 m=5
